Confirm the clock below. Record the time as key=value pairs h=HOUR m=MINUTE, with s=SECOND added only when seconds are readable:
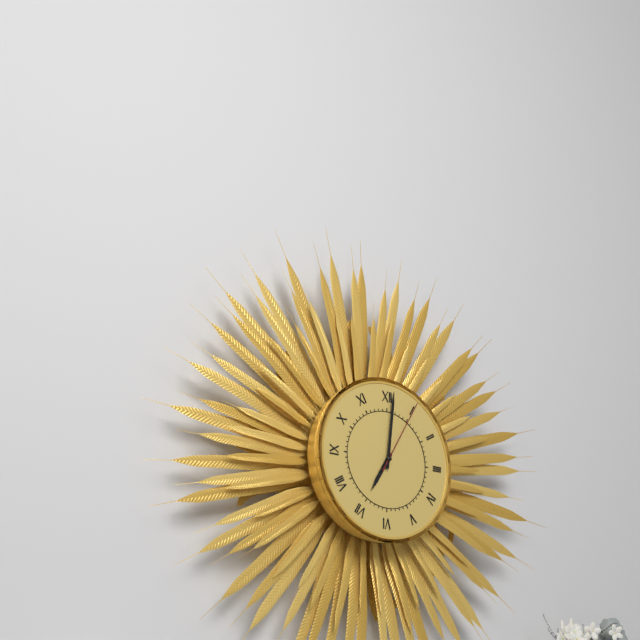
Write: h=7 m=1 s=5
